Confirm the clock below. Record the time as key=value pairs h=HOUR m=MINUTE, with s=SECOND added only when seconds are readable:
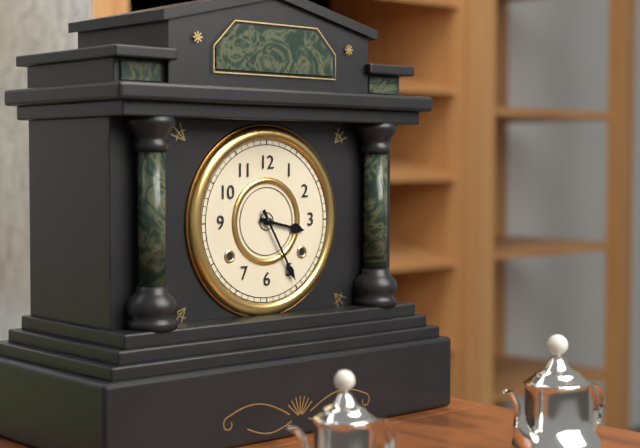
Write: h=3 m=25
